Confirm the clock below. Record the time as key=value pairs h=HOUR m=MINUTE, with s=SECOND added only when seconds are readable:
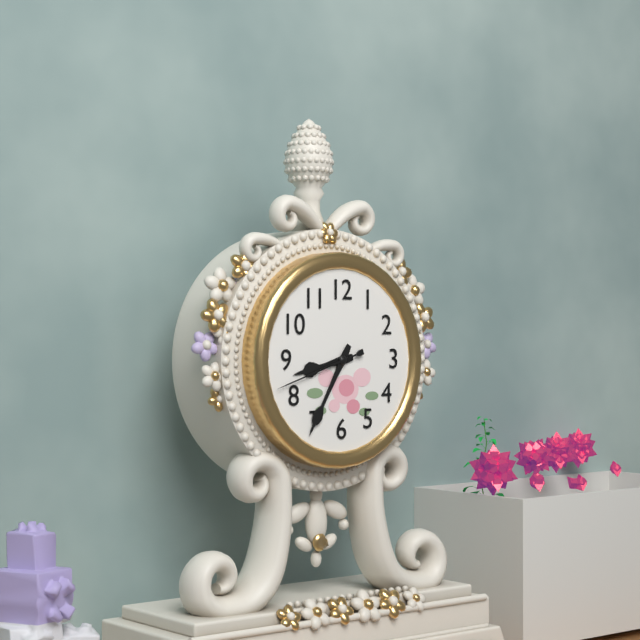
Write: h=8 m=35 s=42
